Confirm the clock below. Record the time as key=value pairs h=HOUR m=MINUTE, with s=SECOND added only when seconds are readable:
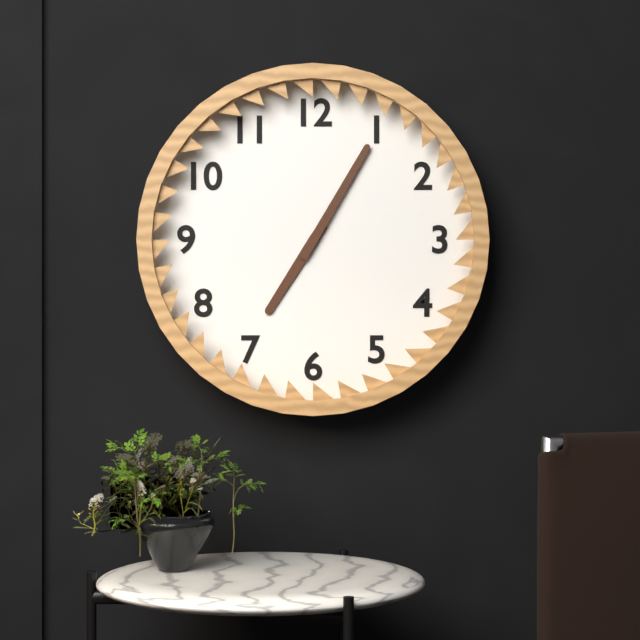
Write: h=7 m=5
